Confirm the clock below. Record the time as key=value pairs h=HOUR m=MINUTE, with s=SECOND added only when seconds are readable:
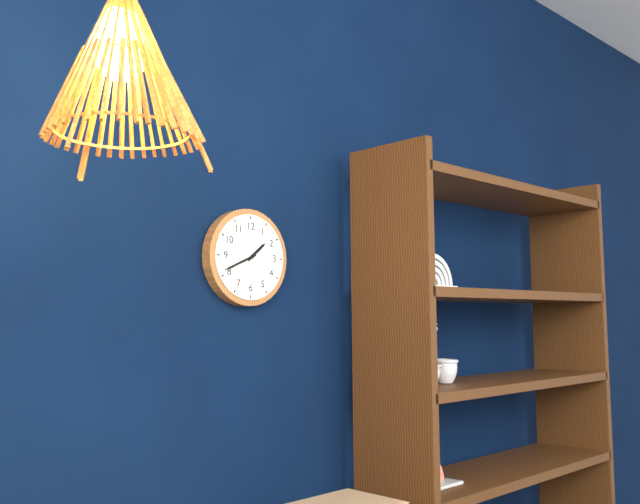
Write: h=1 m=41
